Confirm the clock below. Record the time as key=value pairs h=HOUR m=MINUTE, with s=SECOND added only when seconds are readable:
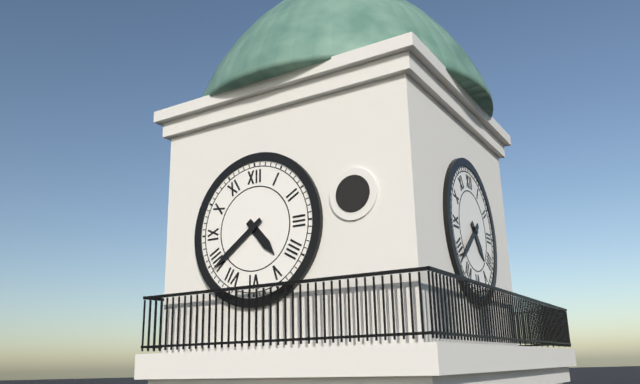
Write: h=4 m=39
